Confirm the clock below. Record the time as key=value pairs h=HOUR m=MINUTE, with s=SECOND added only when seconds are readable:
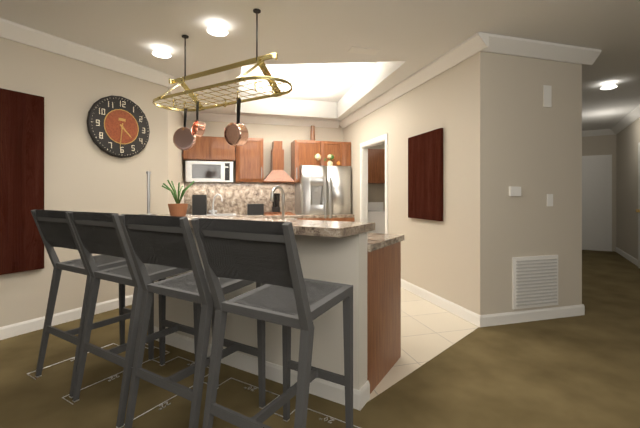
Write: h=4 m=31
